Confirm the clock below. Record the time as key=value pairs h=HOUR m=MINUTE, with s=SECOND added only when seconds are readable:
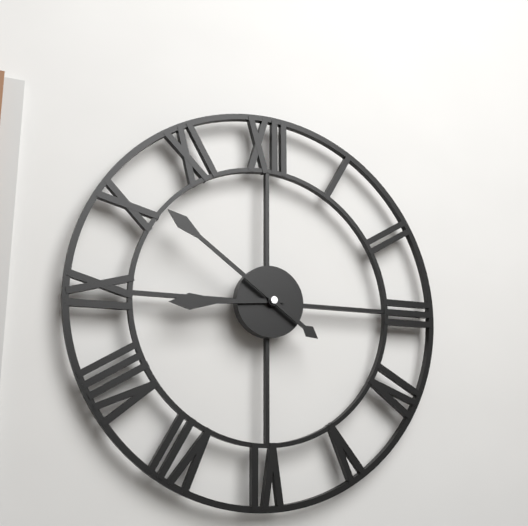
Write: h=8 m=51
